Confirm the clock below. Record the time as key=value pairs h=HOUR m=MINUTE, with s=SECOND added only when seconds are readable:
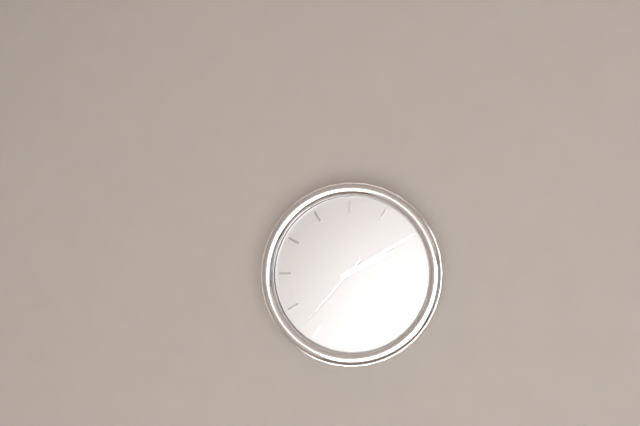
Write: h=2 m=10 s=37
